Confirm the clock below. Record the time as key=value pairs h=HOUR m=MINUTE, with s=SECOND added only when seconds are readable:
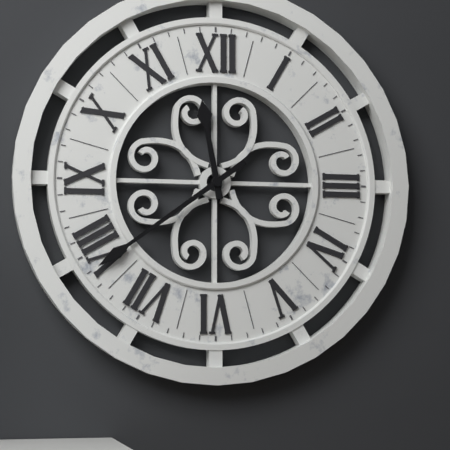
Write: h=11 m=39
